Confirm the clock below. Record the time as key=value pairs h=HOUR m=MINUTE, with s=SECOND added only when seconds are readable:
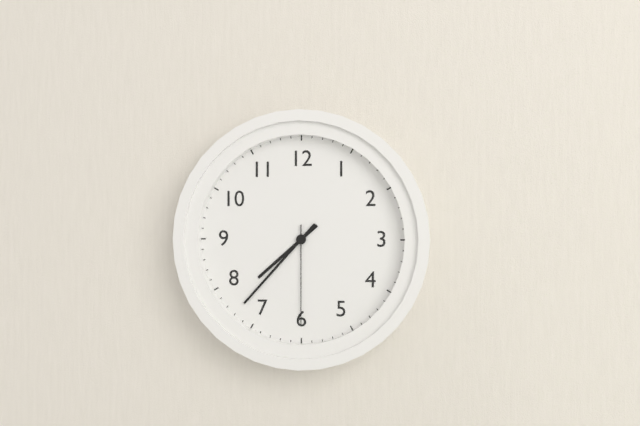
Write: h=7 m=37 s=30
